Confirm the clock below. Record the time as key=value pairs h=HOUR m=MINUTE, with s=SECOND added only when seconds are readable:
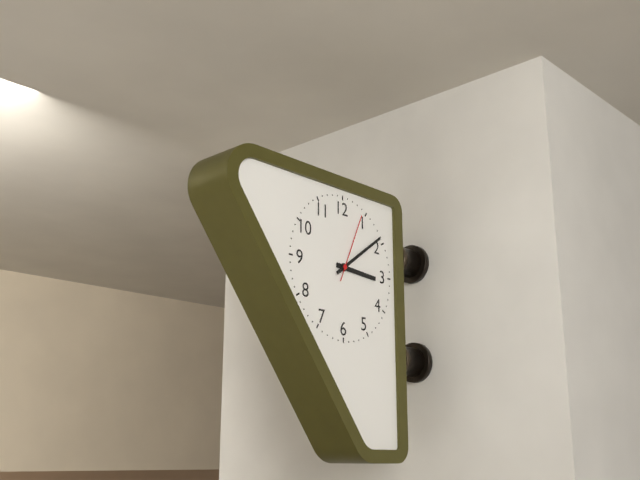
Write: h=3 m=9 s=4
